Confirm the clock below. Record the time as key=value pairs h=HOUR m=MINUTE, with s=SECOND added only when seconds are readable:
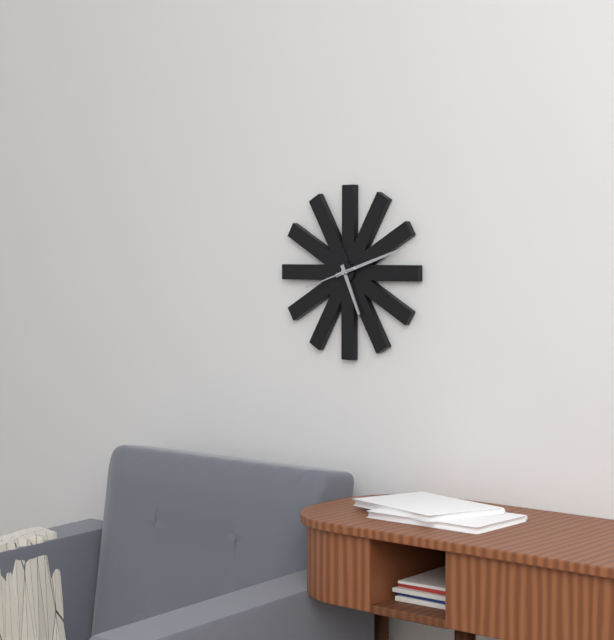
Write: h=5 m=12 s=42
